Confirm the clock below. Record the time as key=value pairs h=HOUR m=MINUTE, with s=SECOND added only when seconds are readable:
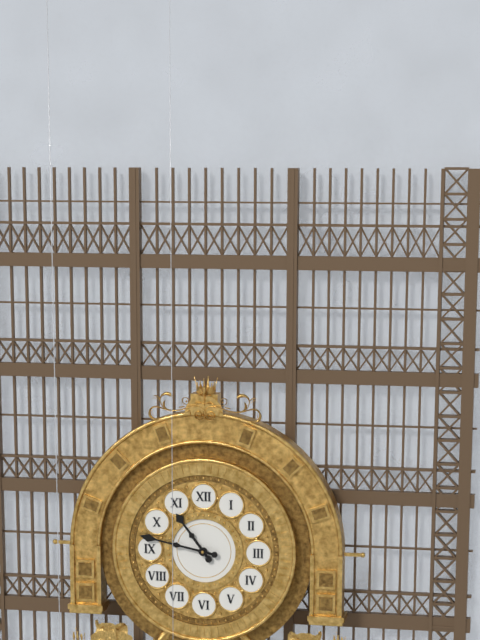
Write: h=10 m=47
